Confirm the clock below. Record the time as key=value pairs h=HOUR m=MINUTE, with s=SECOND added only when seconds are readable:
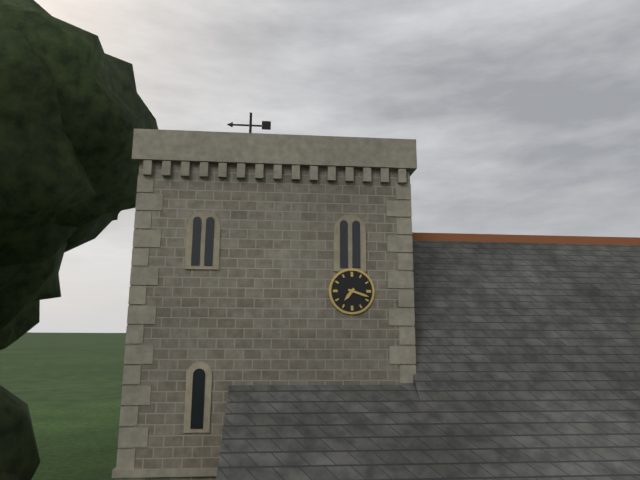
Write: h=7 m=18
